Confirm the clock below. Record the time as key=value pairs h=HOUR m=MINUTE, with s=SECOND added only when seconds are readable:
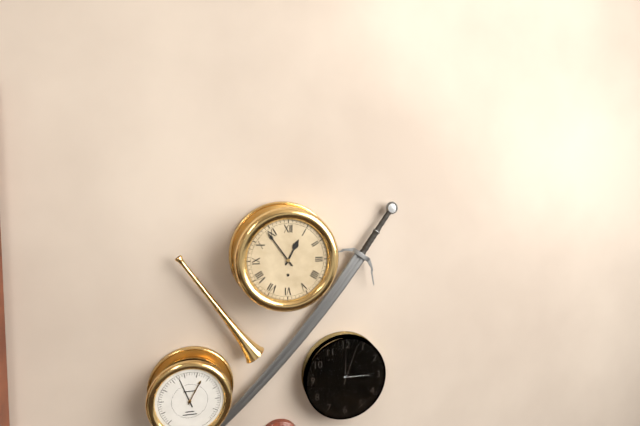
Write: h=12 m=54
